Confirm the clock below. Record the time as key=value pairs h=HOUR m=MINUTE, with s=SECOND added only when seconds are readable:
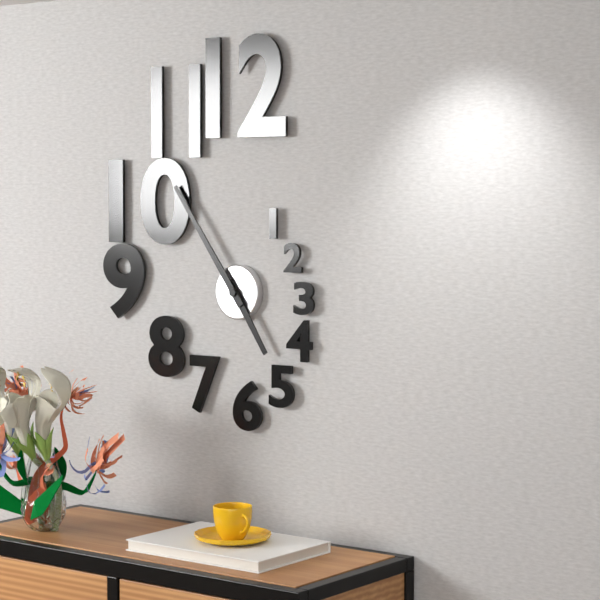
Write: h=4 m=54
